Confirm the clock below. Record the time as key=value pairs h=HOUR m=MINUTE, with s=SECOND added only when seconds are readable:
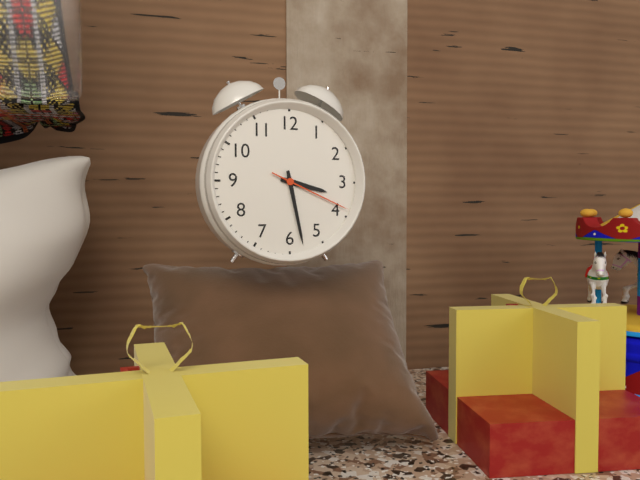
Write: h=3 m=28 s=19
